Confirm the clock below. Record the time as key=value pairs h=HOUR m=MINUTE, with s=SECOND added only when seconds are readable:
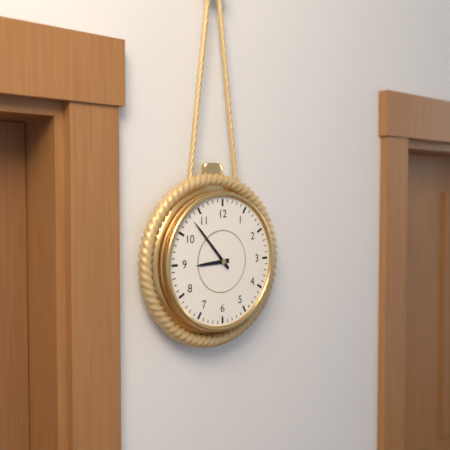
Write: h=8 m=53
